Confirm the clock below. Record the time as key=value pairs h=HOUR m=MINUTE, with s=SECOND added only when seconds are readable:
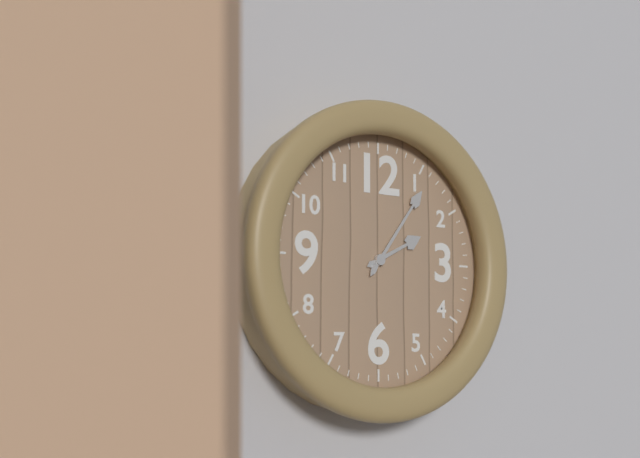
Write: h=2 m=6
